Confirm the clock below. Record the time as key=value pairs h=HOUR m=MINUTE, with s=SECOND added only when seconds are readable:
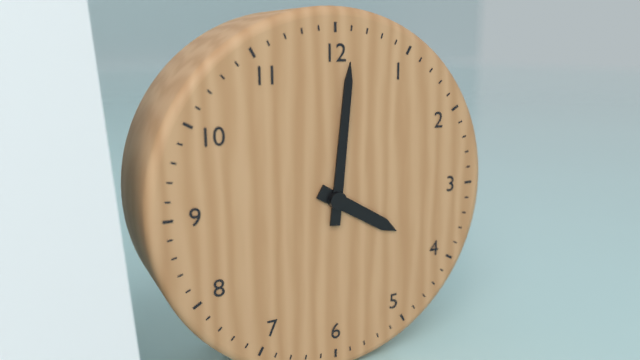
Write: h=4 m=1
